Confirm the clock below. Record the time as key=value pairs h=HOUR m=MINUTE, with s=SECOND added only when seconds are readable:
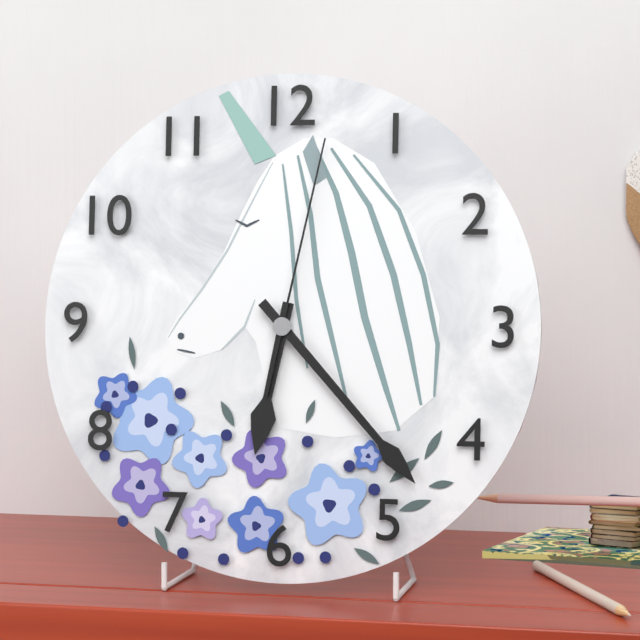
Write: h=6 m=23 s=2
